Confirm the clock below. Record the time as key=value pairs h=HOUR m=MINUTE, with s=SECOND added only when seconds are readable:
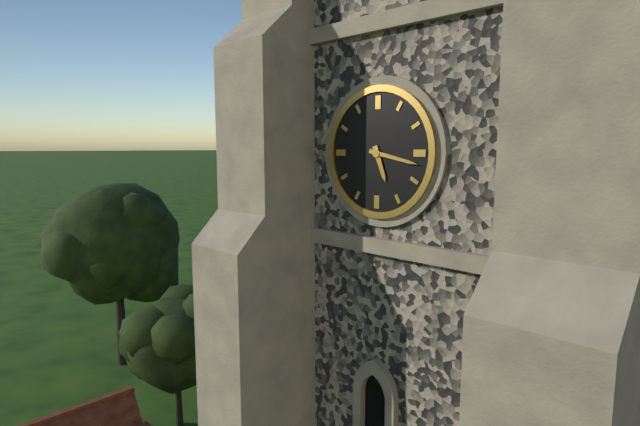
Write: h=5 m=17
